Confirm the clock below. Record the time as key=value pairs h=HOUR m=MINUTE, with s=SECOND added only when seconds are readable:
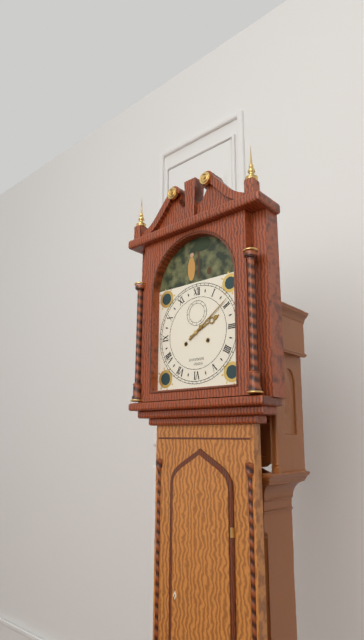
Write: h=2 m=9
